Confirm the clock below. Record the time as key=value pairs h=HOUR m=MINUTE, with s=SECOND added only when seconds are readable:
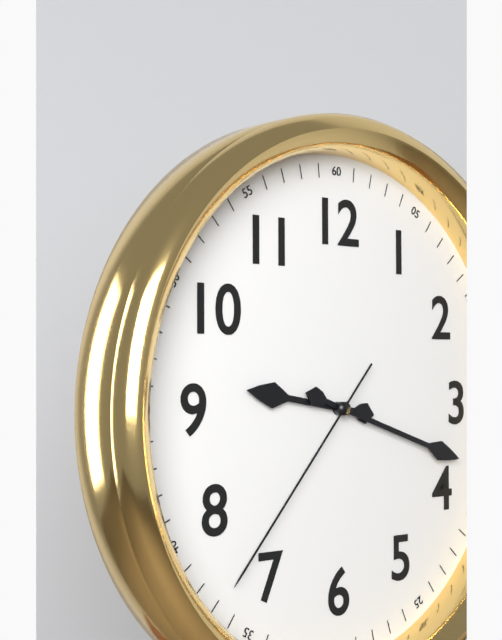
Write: h=9 m=18 s=37
